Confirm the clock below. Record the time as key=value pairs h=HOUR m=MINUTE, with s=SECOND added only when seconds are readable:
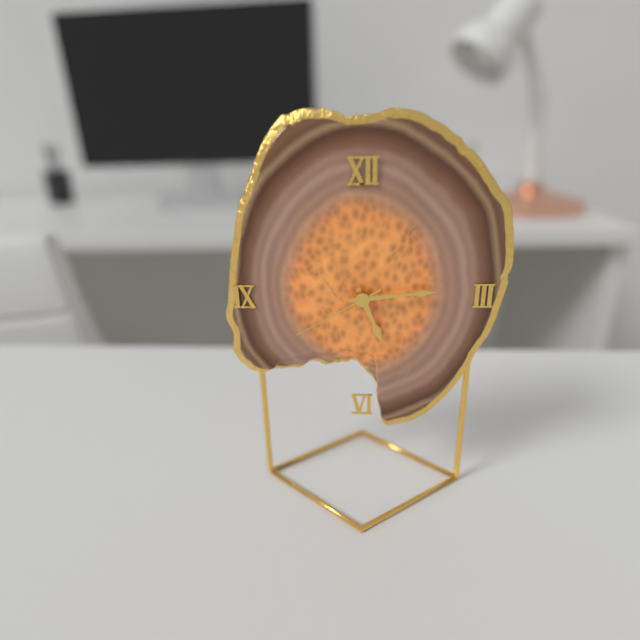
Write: h=5 m=14 s=40
